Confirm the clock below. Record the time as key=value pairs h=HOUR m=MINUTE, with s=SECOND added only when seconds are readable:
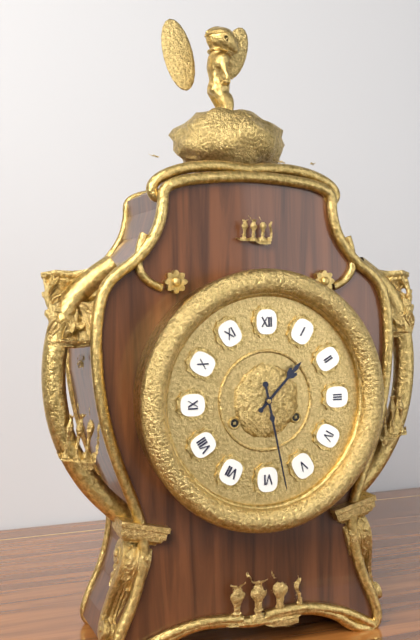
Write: h=1 m=28
